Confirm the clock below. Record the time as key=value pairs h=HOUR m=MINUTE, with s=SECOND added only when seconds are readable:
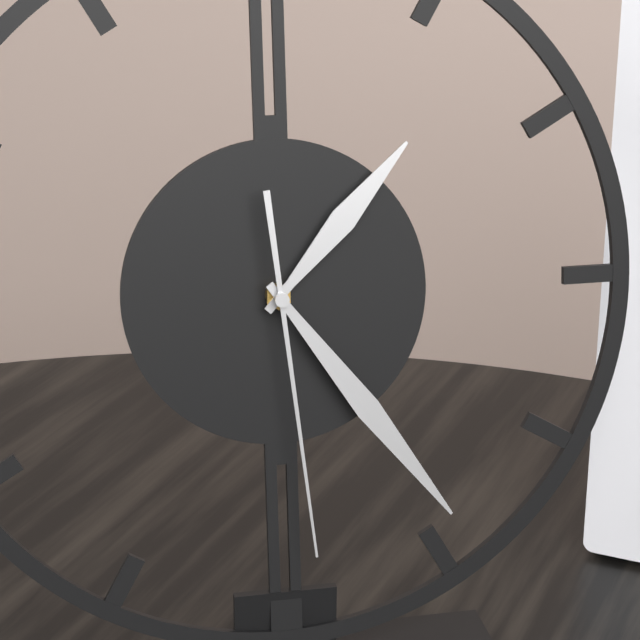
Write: h=1 m=24 s=29
